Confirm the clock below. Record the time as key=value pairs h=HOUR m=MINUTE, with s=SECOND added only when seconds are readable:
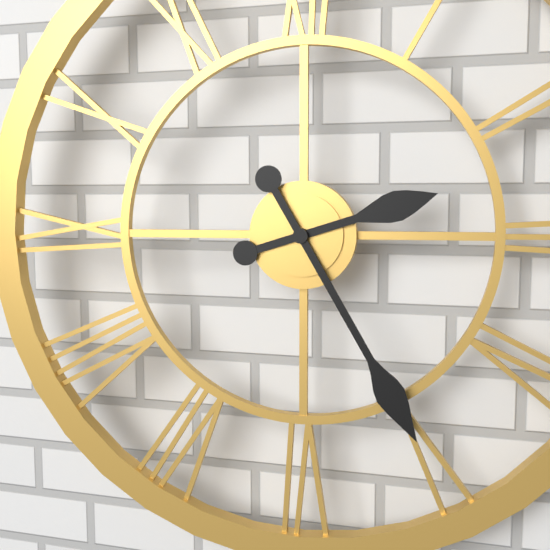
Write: h=2 m=25
